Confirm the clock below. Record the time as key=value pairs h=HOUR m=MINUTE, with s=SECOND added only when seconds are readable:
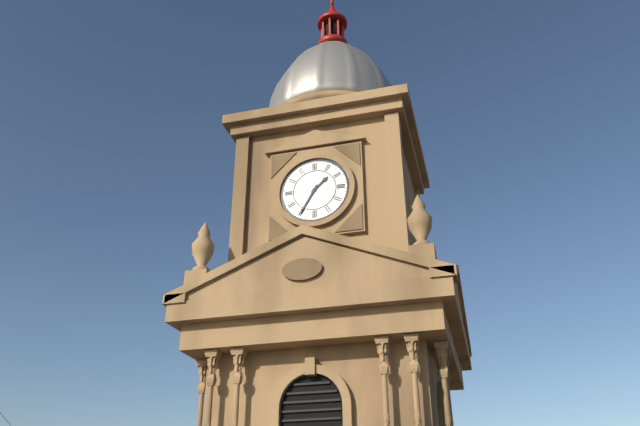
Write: h=1 m=35
